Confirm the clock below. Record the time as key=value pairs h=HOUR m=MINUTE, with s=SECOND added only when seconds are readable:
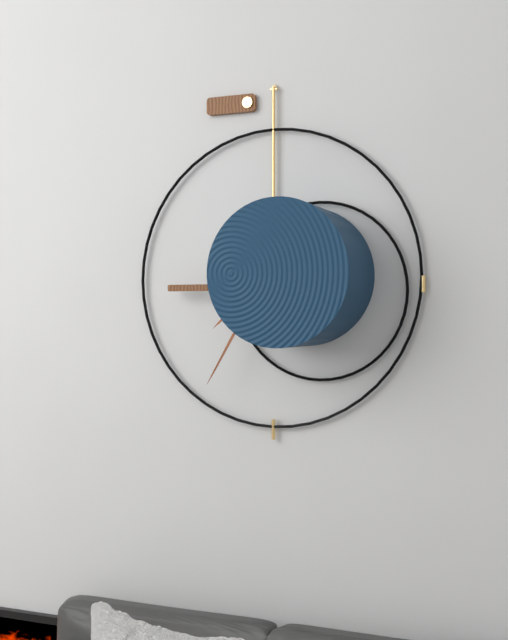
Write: h=7 m=35
